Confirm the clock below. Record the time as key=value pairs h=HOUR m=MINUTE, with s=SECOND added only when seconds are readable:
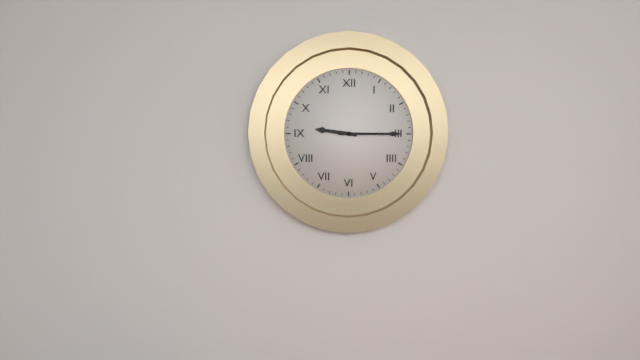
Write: h=9 m=15
